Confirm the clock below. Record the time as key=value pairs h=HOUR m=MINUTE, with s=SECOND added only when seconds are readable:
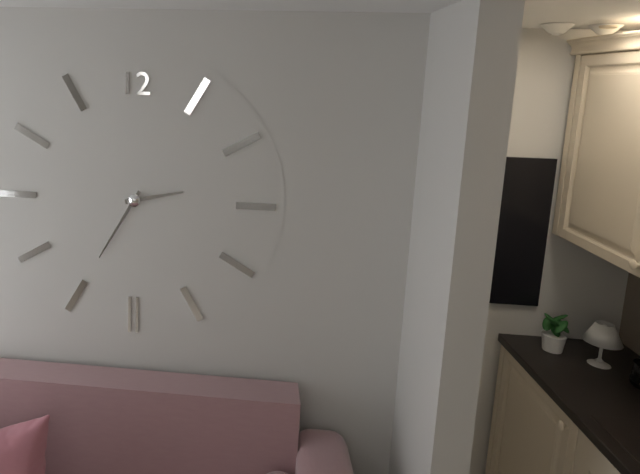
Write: h=2 m=35
